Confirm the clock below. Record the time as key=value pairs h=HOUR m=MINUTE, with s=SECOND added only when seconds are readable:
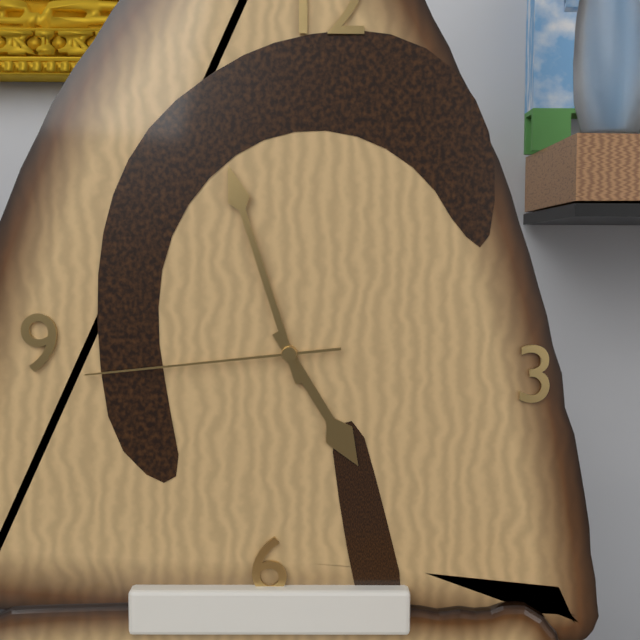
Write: h=4 m=57 s=44
